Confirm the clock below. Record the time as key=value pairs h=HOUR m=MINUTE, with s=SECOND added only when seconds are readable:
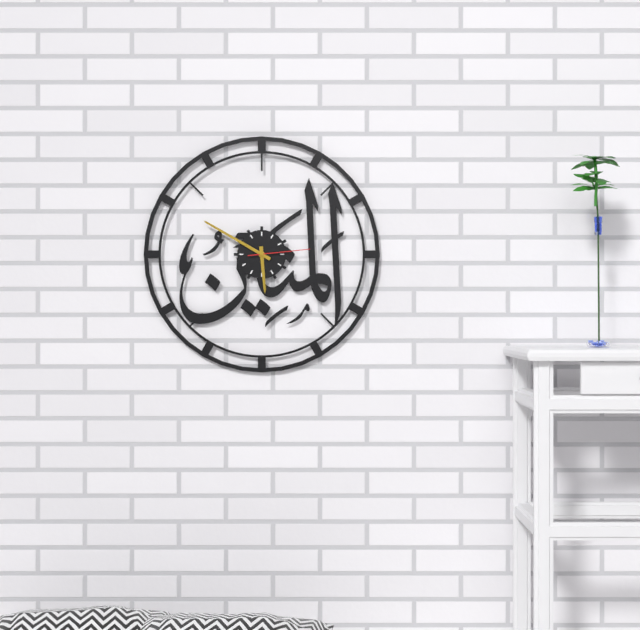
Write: h=5 m=50 s=14
